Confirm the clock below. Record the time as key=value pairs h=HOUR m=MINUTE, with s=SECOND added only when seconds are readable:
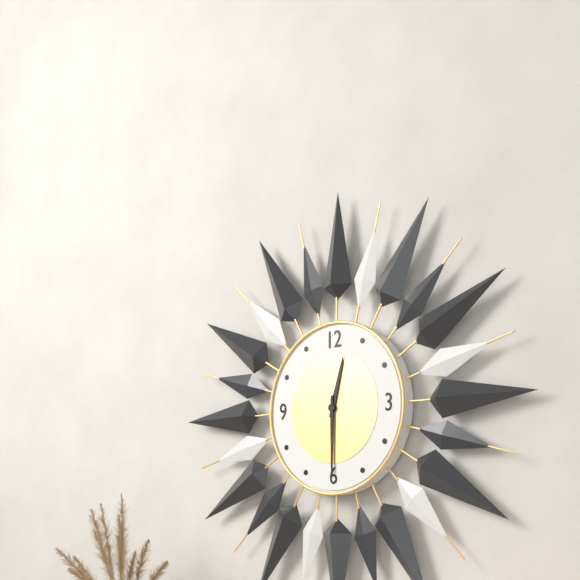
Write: h=12 m=30
